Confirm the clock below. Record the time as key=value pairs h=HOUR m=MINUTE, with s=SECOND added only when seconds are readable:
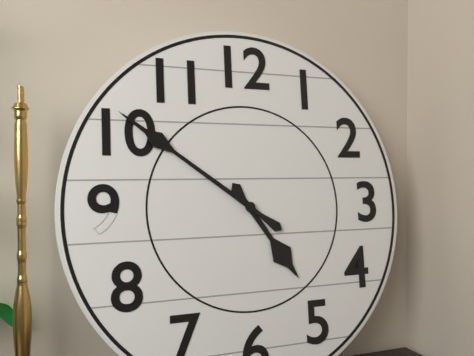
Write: h=4 m=51
